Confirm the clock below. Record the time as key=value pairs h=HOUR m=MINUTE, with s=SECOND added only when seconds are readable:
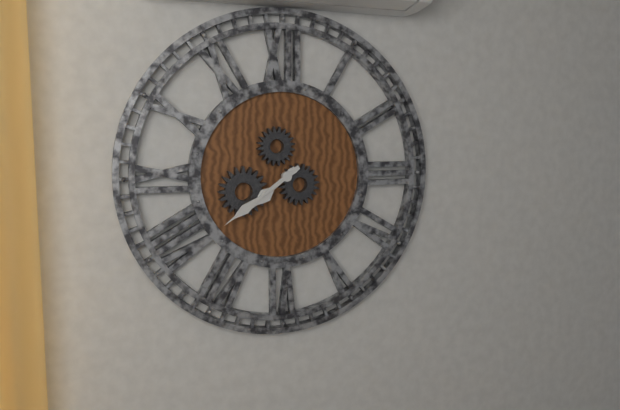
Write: h=7 m=39
